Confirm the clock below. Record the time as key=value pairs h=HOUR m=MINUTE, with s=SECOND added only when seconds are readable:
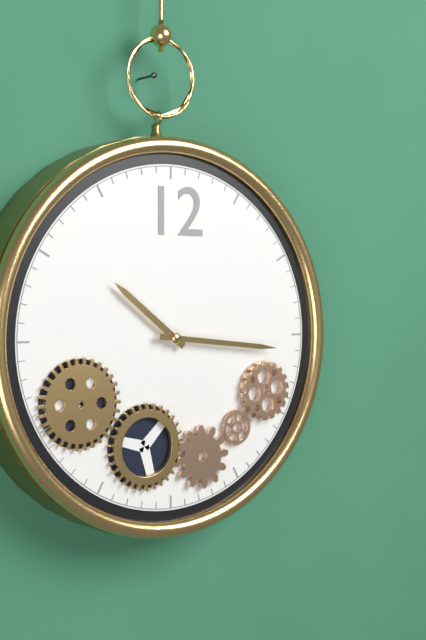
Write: h=10 m=16
